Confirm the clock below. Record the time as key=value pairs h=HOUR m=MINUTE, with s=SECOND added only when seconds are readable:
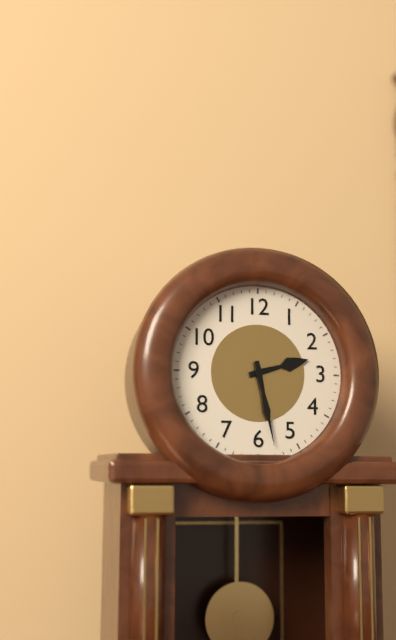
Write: h=2 m=28
